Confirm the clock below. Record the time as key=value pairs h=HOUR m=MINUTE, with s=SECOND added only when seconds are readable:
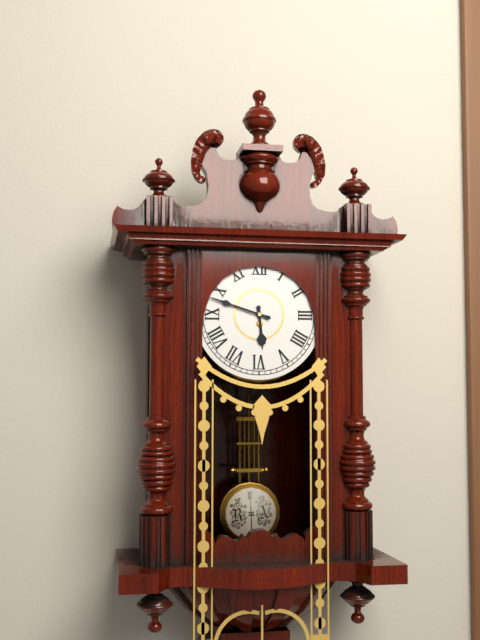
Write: h=5 m=48
